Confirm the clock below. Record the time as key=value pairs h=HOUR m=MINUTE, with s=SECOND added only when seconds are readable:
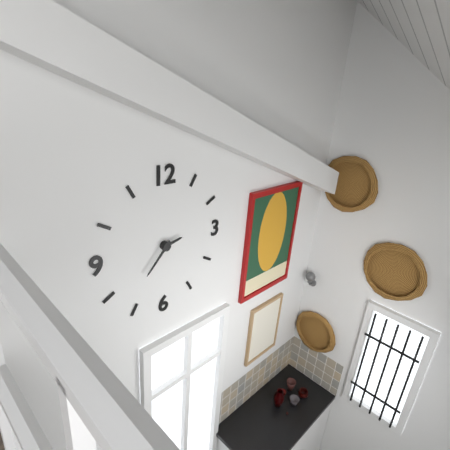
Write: h=2 m=37
